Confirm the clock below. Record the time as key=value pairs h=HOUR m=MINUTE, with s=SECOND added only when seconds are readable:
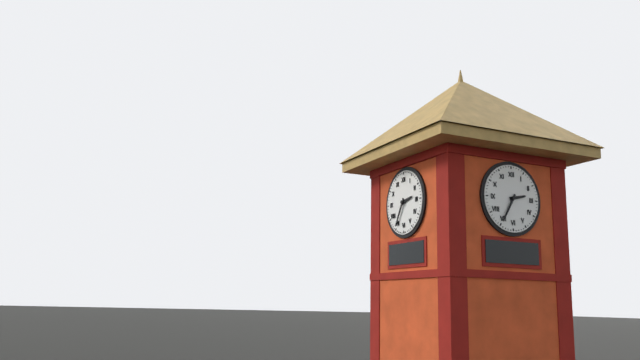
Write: h=2 m=35
